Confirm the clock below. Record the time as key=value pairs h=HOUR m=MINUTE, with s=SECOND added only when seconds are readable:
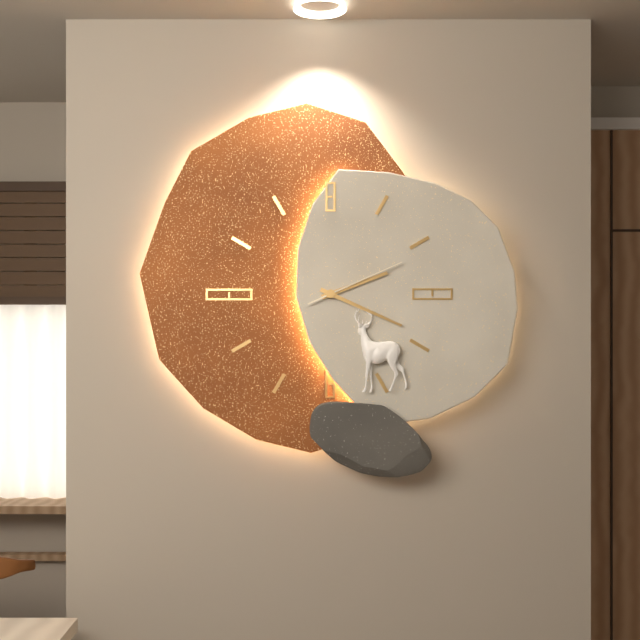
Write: h=2 m=19 s=11
